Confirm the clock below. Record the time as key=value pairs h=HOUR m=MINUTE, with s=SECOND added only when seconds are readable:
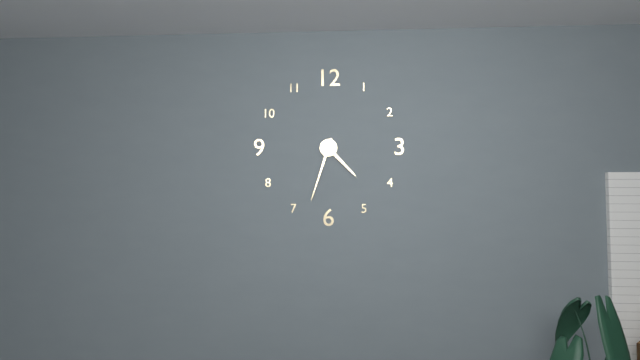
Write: h=4 m=33
